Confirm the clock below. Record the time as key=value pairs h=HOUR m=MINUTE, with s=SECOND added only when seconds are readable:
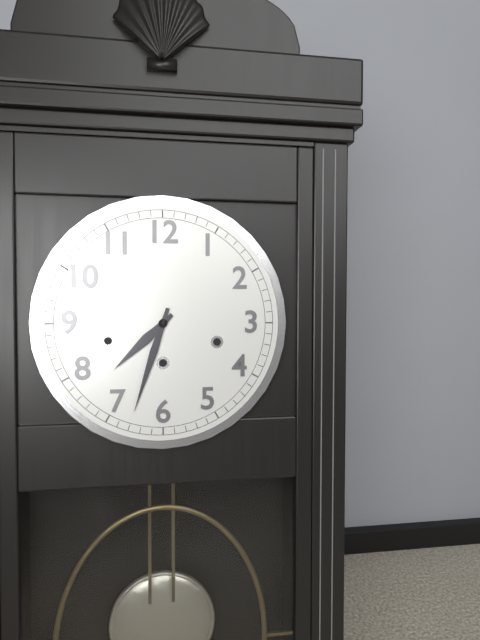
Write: h=7 m=33
